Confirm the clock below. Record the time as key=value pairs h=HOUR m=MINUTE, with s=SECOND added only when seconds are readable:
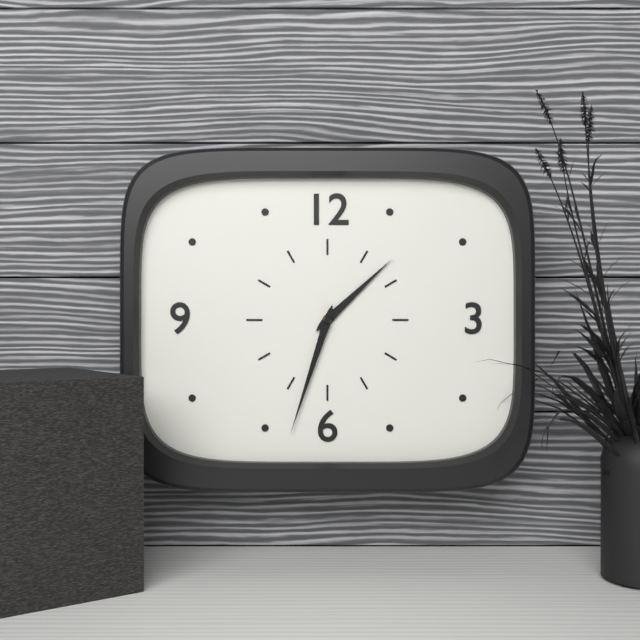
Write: h=1 m=33
